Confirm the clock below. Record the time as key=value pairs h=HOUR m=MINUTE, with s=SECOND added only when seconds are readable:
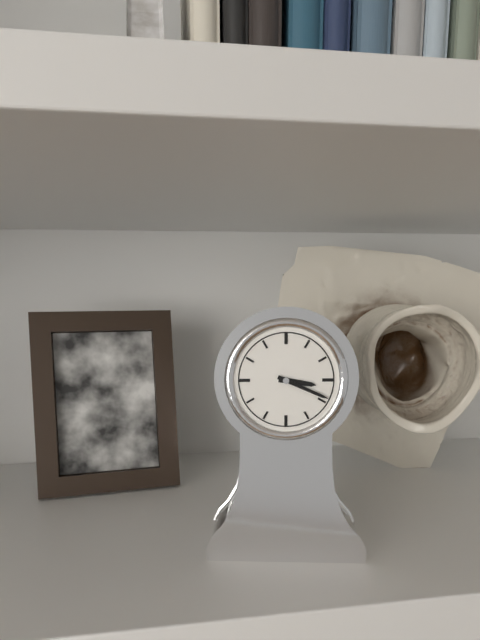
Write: h=3 m=19
